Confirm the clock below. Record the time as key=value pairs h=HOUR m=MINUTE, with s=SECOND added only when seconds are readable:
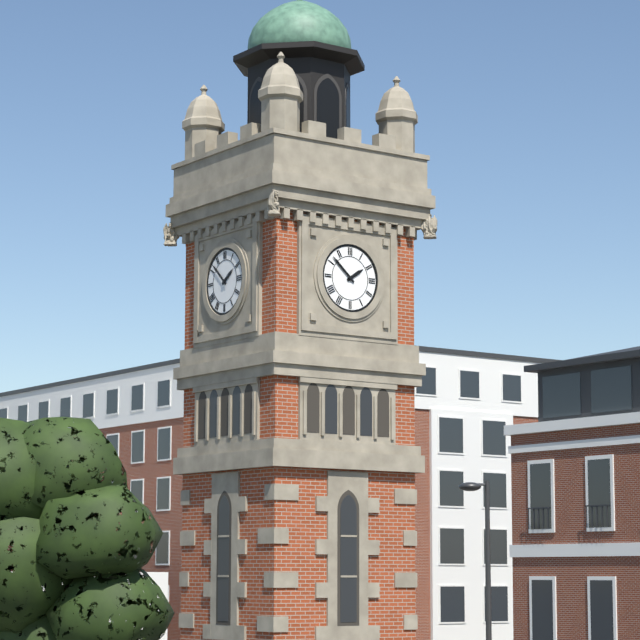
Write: h=1 m=52
